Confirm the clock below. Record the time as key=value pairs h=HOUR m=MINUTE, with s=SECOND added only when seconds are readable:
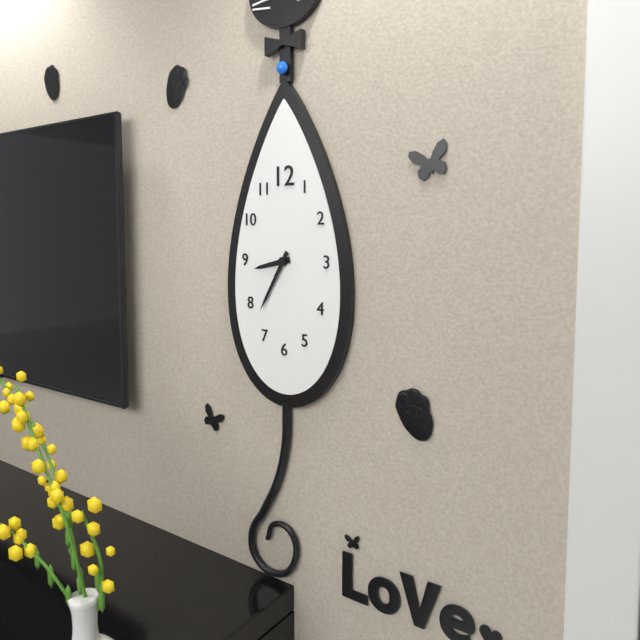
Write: h=8 m=35
